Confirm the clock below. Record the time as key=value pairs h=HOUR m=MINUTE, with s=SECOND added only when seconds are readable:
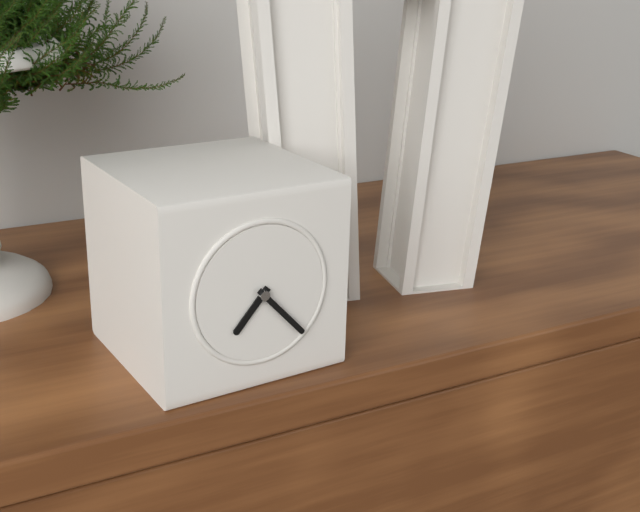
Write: h=7 m=23
